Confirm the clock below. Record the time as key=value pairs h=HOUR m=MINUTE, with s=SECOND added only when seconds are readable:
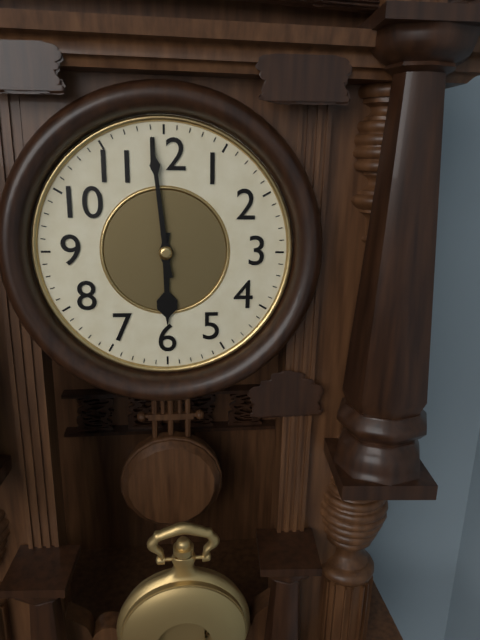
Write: h=5 m=59
